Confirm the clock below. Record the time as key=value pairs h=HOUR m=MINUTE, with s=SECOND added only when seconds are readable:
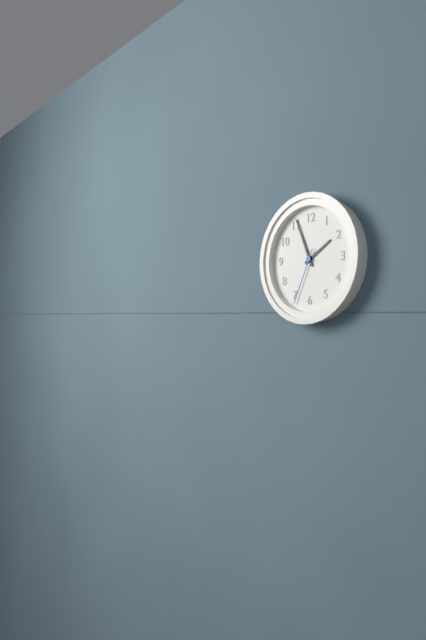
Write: h=1 m=56 s=34
